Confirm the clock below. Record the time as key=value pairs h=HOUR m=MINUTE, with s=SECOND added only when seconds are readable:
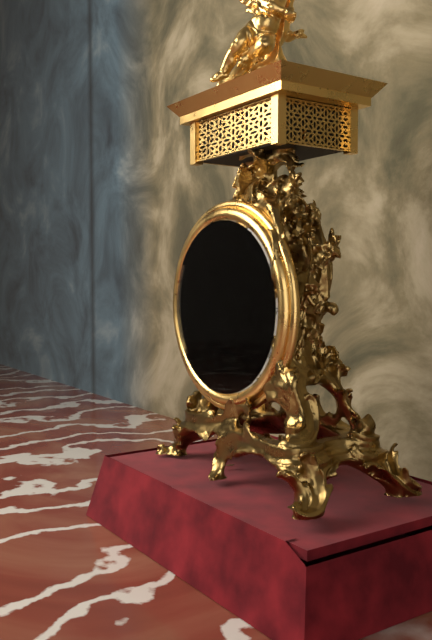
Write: h=6 m=30
